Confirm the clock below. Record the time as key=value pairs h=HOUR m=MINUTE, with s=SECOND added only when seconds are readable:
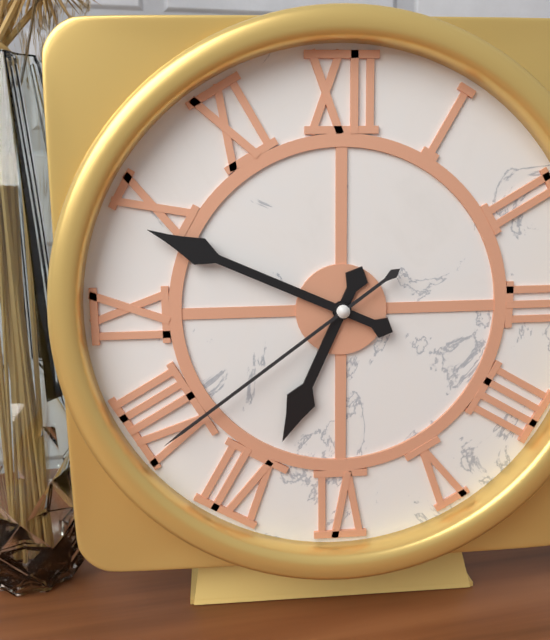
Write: h=6 m=49 s=39
